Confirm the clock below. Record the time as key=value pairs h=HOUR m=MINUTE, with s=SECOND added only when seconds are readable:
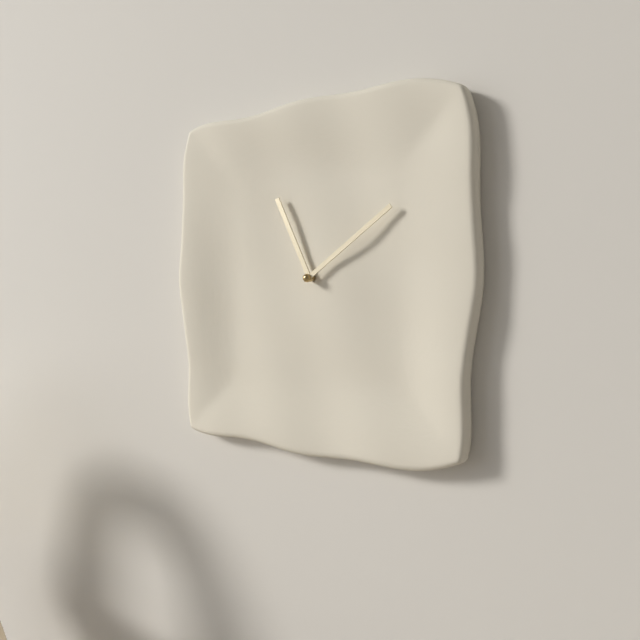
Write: h=11 m=9
